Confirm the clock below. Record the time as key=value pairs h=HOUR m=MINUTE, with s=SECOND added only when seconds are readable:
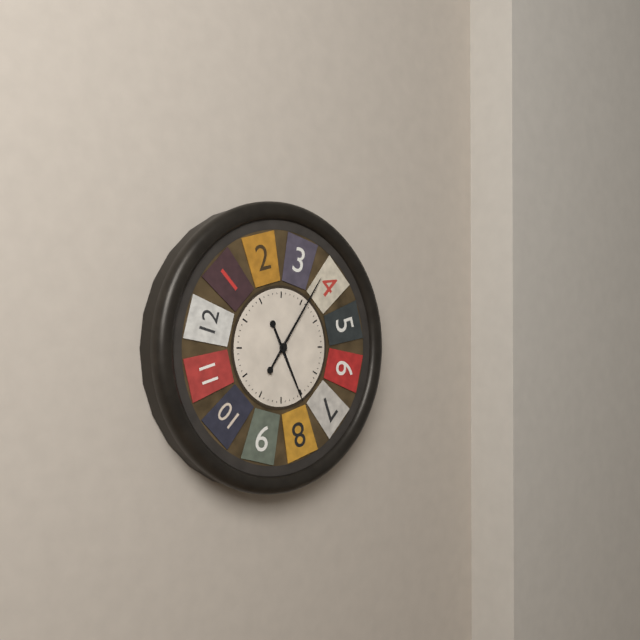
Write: h=5 m=6
